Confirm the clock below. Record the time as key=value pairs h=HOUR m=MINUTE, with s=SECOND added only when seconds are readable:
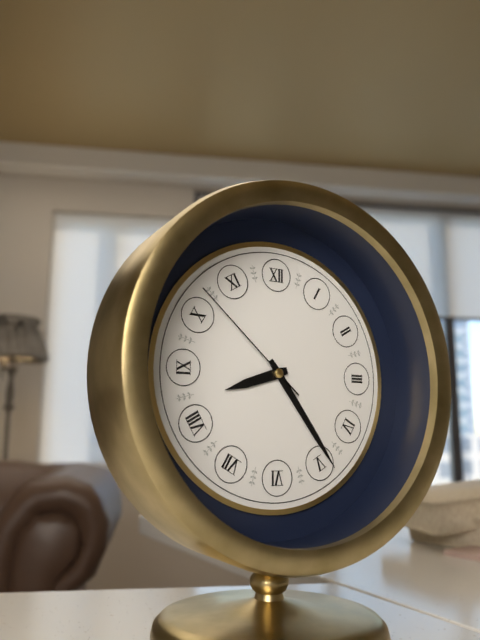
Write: h=8 m=24 s=52
